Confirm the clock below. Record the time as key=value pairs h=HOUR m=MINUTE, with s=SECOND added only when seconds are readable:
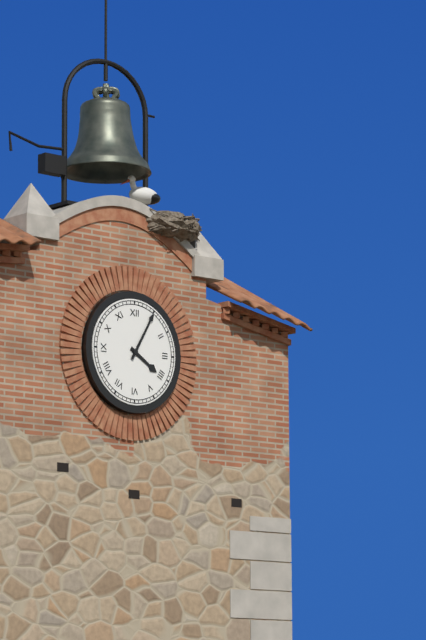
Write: h=4 m=5
